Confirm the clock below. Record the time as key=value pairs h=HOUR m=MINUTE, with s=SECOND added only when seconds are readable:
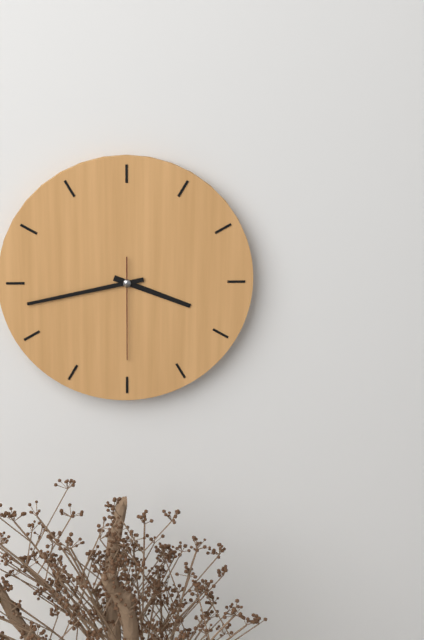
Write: h=3 m=43 s=30
